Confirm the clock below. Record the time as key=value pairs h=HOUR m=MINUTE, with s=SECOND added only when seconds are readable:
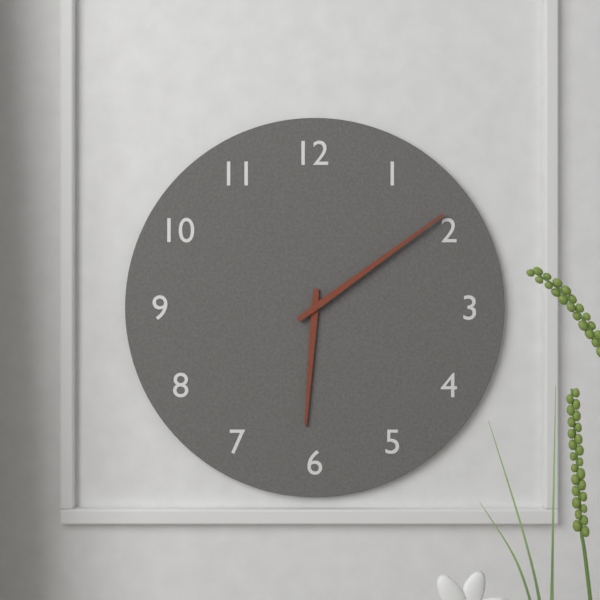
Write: h=6 m=9
